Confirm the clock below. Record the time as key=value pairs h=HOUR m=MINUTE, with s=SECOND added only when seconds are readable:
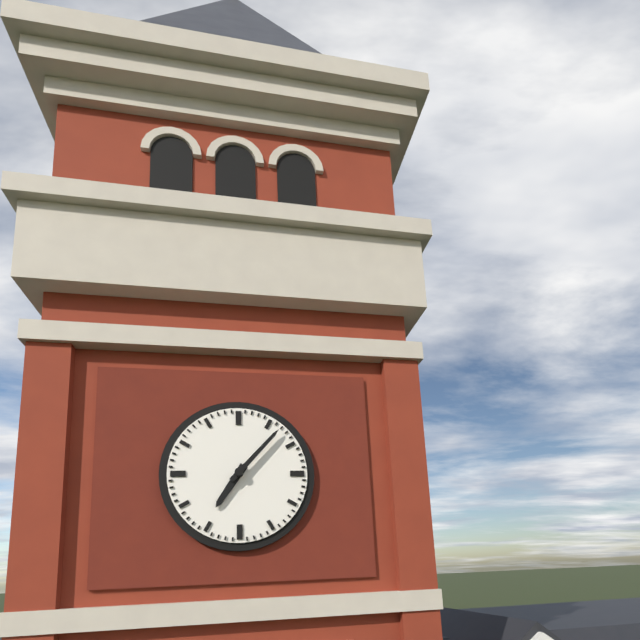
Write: h=7 m=7
